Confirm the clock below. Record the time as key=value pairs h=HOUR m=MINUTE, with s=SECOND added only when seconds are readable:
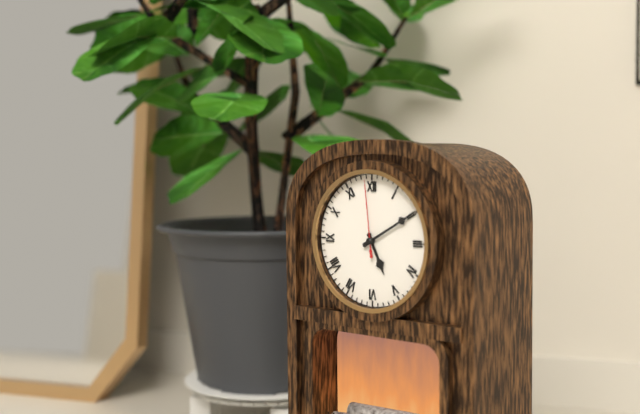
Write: h=5 m=10 s=59
